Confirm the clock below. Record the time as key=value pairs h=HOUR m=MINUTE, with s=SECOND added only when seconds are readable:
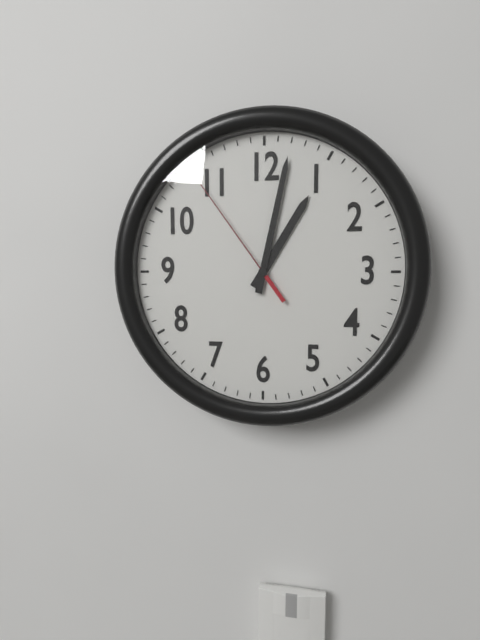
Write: h=1 m=2 s=54
